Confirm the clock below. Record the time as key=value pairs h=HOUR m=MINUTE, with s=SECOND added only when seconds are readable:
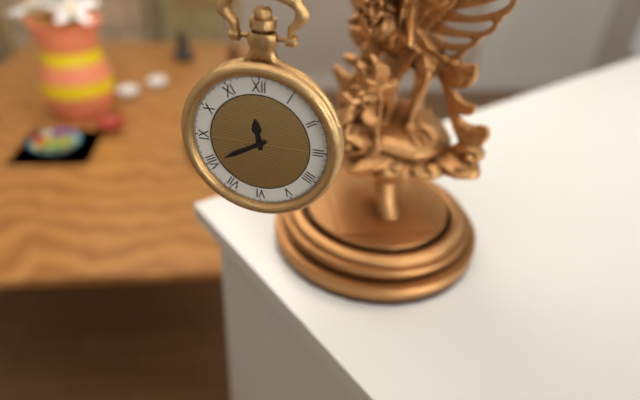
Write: h=11 m=40
